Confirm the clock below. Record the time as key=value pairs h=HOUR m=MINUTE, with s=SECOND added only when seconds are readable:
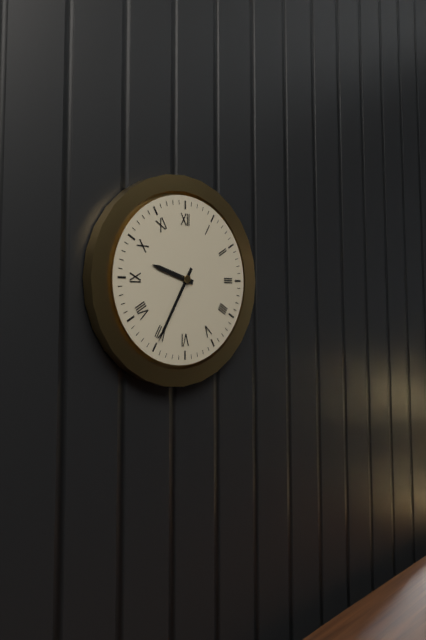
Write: h=9 m=35
